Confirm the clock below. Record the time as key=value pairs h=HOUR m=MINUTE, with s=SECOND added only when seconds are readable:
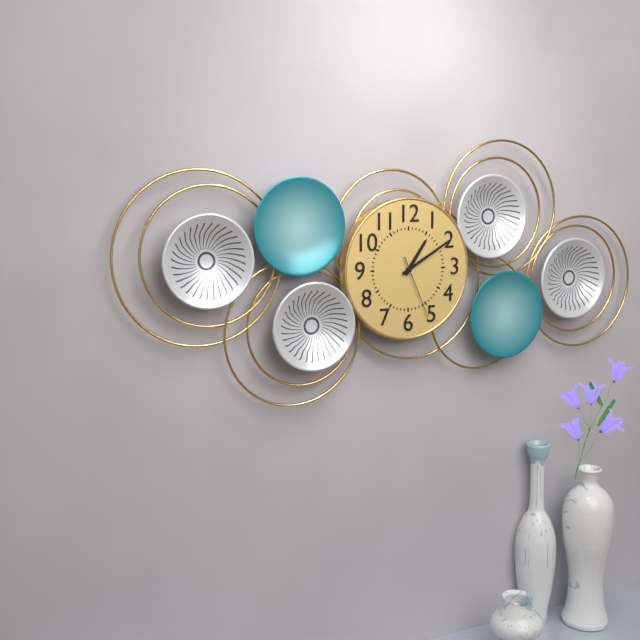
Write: h=1 m=10 s=26
